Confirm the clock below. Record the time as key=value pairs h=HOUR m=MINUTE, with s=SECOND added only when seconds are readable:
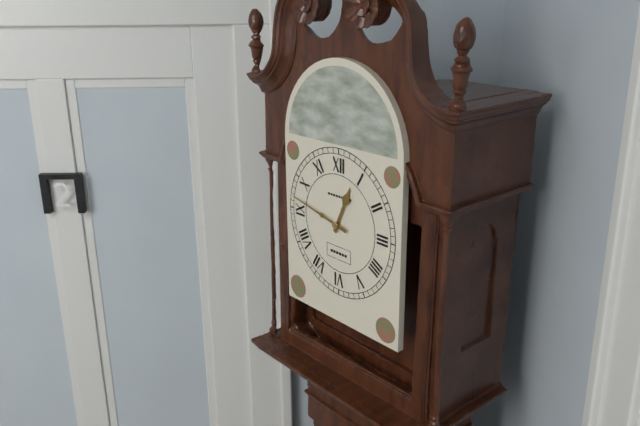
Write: h=12 m=47
